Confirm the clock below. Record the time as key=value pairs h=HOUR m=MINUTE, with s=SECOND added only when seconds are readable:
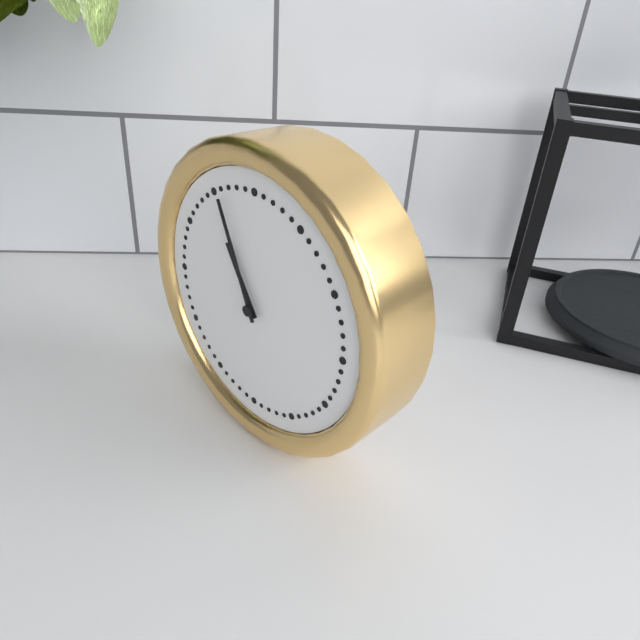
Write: h=10 m=56
